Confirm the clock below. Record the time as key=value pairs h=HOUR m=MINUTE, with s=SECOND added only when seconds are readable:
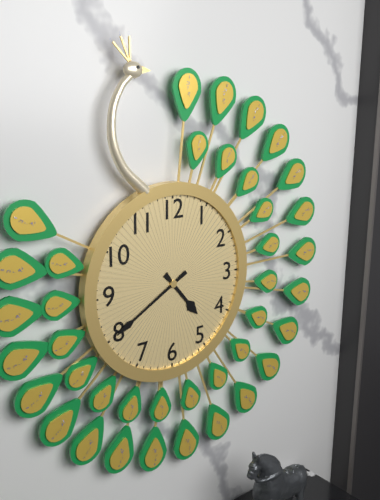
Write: h=4 m=40
